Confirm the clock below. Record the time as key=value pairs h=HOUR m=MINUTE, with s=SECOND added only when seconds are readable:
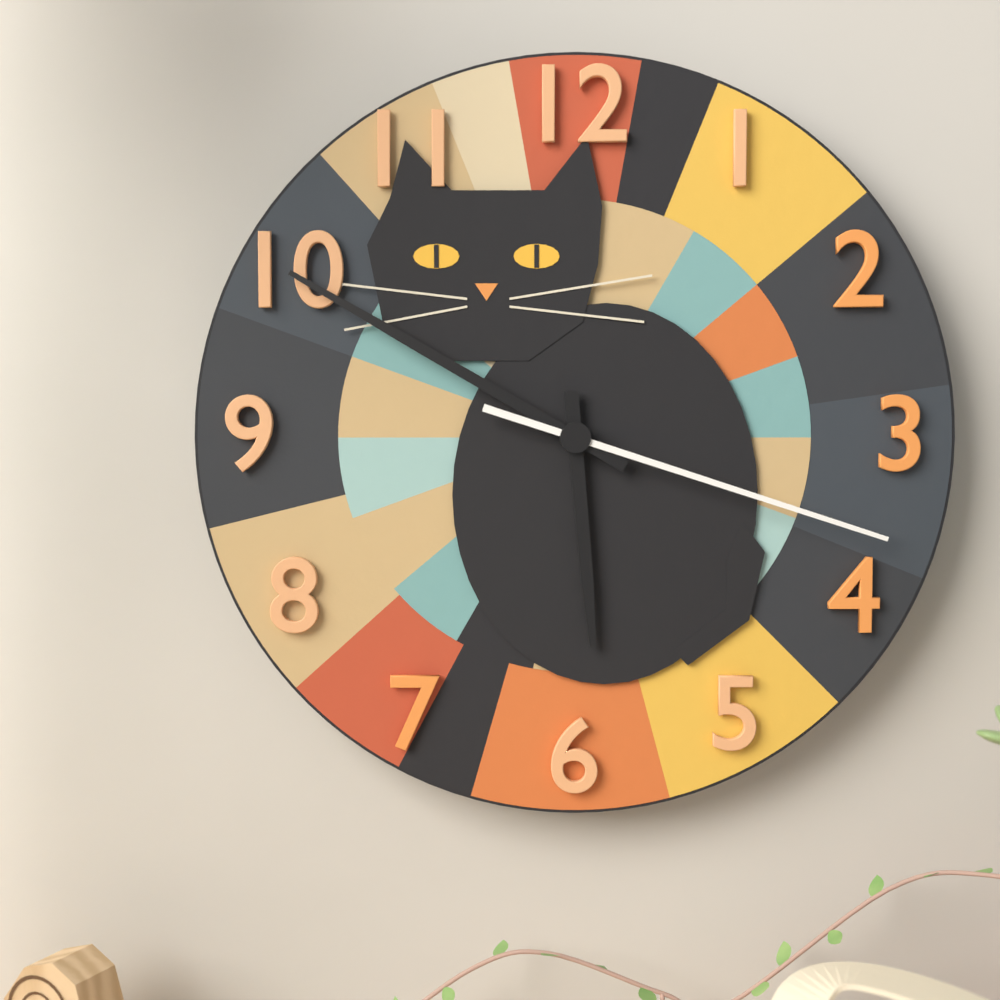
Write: h=5 m=50 s=18
